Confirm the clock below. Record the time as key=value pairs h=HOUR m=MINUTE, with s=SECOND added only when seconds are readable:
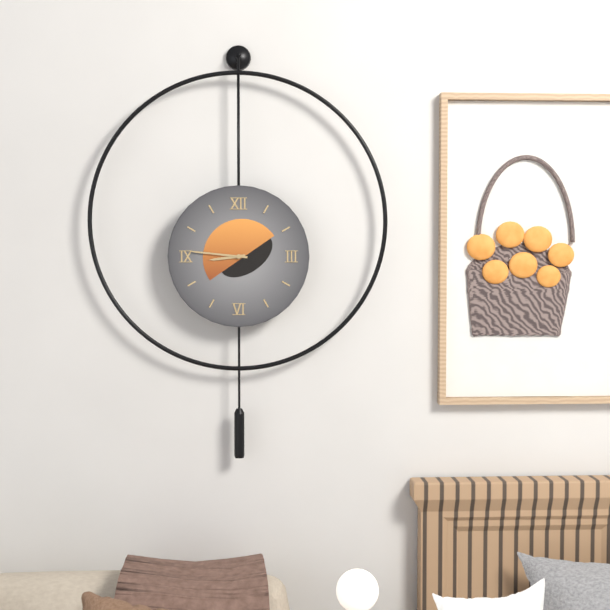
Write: h=8 m=46
